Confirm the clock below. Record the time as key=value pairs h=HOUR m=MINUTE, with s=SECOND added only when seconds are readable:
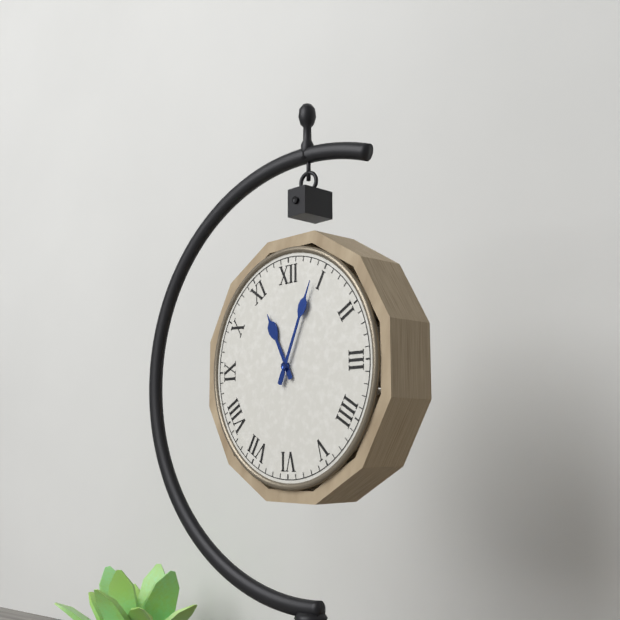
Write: h=11 m=4
